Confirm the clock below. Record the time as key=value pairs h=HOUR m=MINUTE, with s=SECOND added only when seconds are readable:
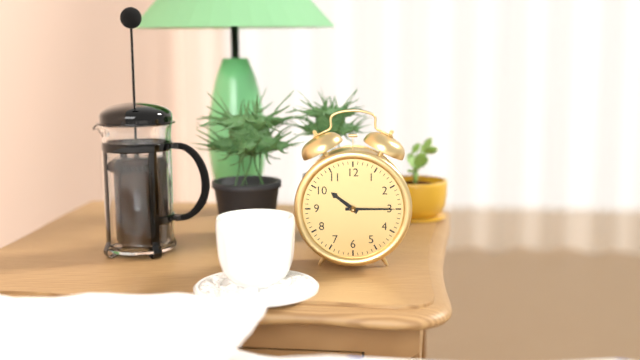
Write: h=10 m=15
